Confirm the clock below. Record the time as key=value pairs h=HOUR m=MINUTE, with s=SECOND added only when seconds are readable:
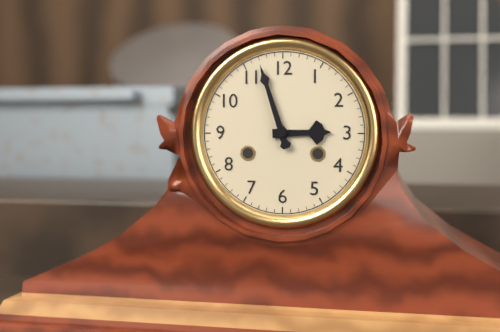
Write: h=2 m=57
